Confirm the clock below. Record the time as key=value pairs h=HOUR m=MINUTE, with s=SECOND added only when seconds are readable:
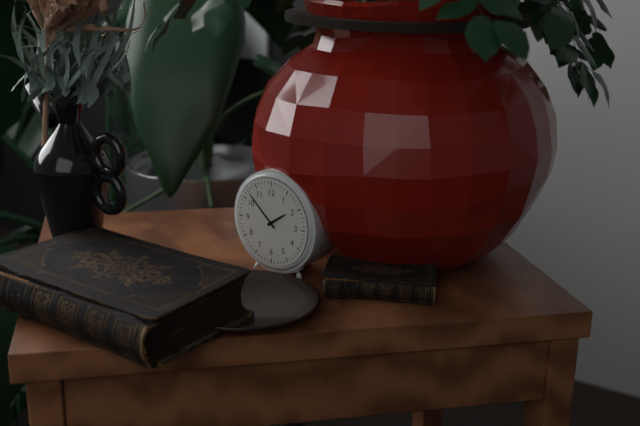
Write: h=1 m=52
